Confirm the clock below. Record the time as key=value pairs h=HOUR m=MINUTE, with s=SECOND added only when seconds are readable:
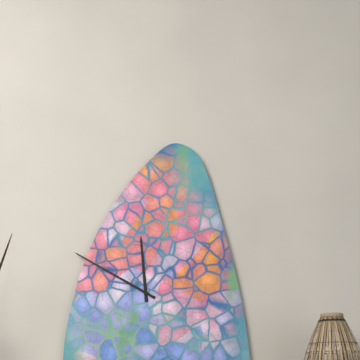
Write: h=11 m=50
